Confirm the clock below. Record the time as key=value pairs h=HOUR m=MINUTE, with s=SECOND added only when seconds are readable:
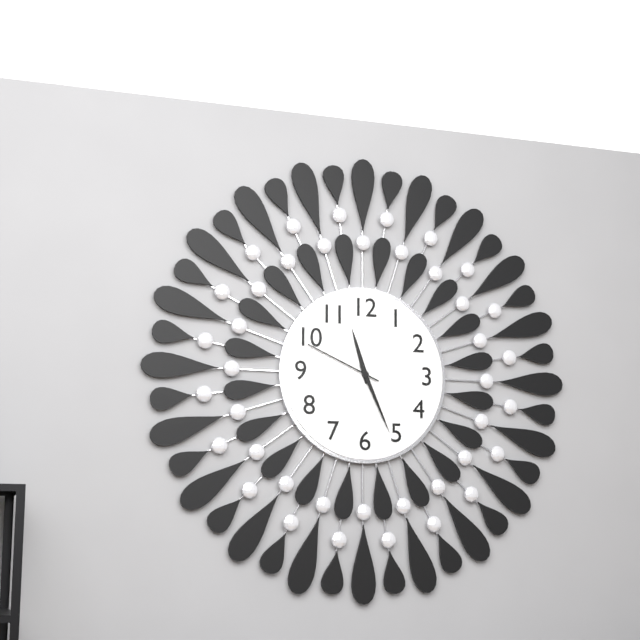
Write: h=11 m=26 s=49
